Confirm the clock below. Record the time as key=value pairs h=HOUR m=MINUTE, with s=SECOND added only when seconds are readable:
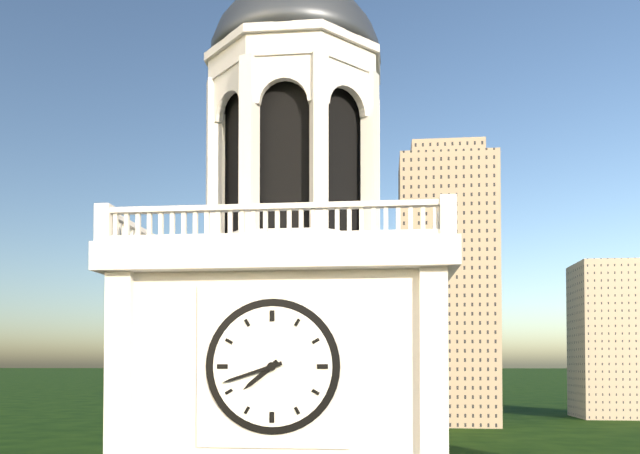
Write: h=7 m=42
